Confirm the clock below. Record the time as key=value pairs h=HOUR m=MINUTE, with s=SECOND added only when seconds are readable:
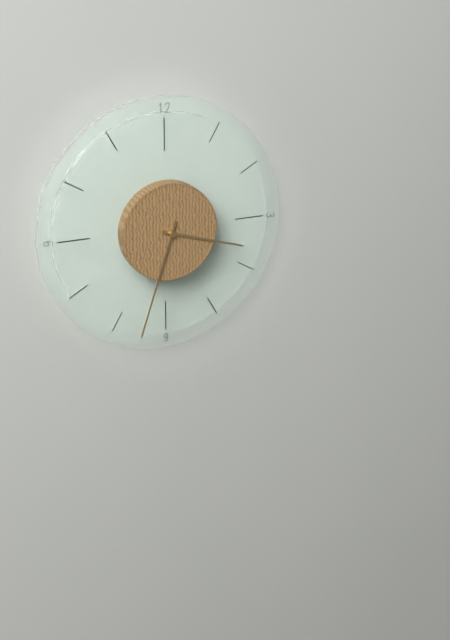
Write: h=3 m=33
